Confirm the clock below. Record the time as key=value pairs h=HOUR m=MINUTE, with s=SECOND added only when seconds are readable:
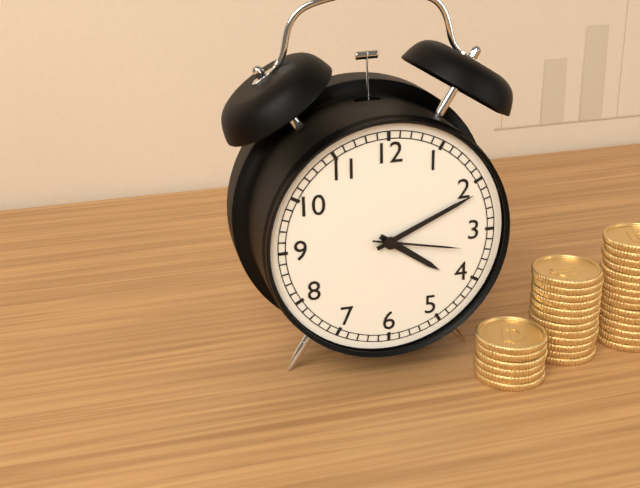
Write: h=4 m=11 s=17
